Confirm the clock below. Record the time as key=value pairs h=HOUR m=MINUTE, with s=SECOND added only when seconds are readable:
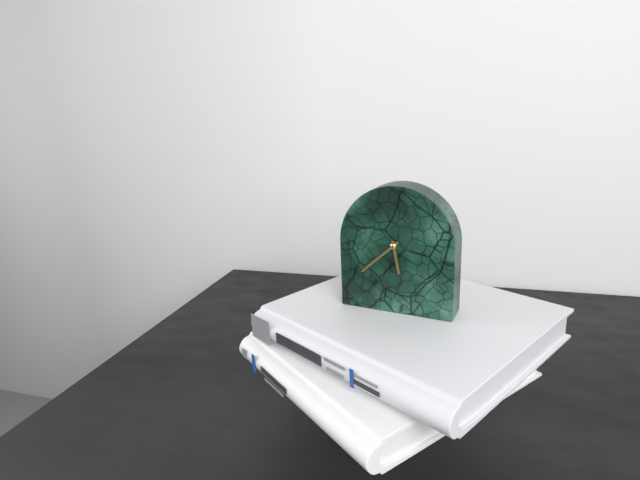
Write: h=5 m=38
